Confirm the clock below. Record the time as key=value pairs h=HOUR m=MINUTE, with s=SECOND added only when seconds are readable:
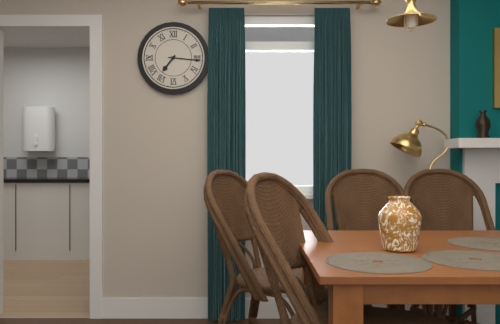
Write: h=7 m=16
